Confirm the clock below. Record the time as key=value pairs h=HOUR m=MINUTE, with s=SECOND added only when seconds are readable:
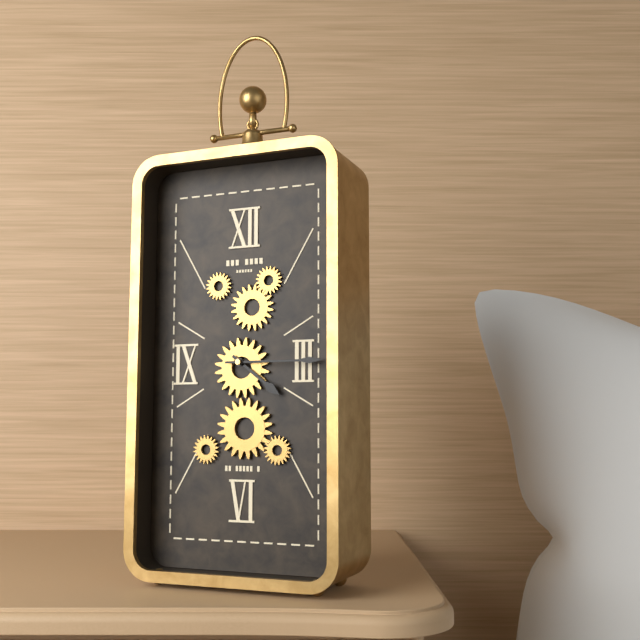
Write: h=4 m=15
